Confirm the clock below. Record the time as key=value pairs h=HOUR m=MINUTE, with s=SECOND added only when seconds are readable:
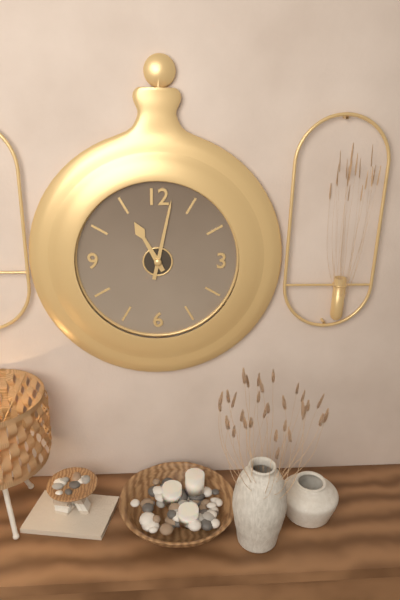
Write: h=11 m=2
